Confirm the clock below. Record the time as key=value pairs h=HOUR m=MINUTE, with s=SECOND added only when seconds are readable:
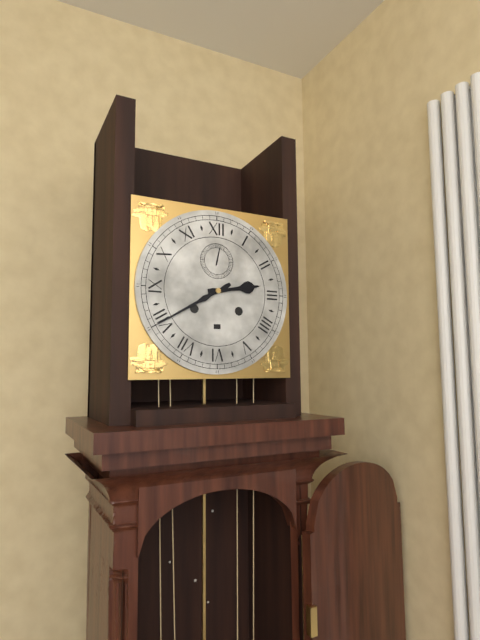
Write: h=2 m=40
